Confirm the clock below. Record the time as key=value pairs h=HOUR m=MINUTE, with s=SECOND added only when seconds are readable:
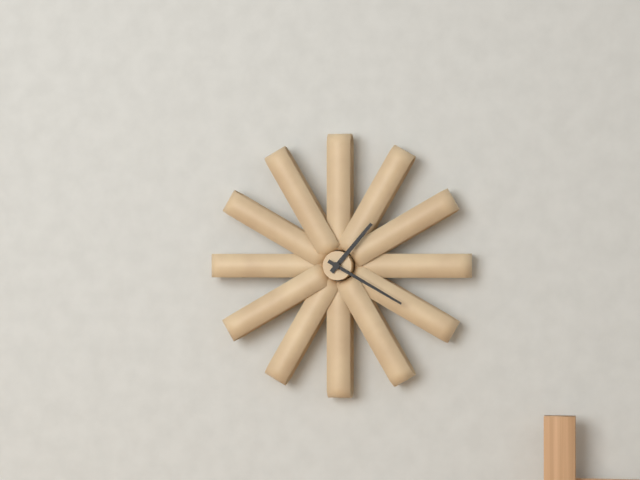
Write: h=1 m=20
